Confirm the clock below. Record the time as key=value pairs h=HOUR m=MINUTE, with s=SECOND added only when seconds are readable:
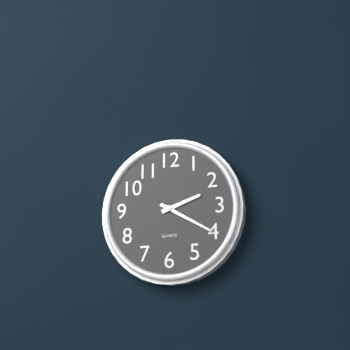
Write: h=2 m=20
